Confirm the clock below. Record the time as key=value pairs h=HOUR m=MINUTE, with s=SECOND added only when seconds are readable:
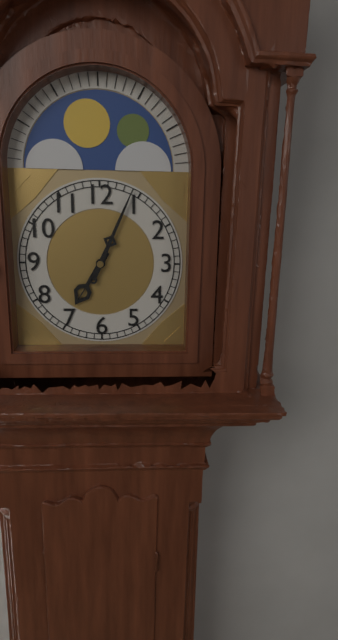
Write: h=7 m=4
